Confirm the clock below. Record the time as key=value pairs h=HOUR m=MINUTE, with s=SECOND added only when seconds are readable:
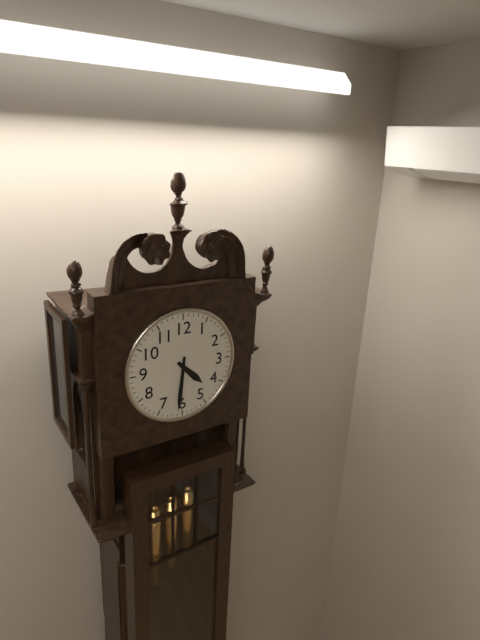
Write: h=4 m=31
